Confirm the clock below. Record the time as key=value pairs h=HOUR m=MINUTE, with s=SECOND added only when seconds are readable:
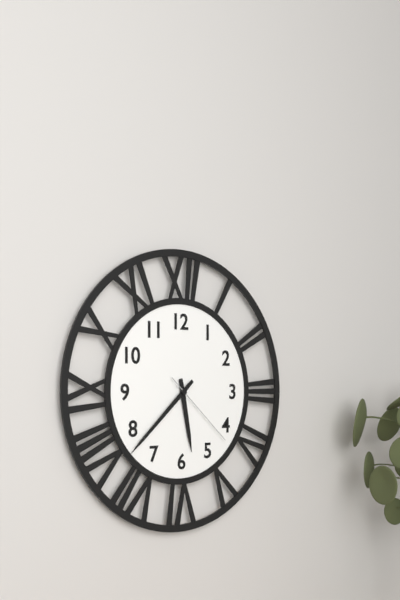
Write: h=5 m=38 s=22
